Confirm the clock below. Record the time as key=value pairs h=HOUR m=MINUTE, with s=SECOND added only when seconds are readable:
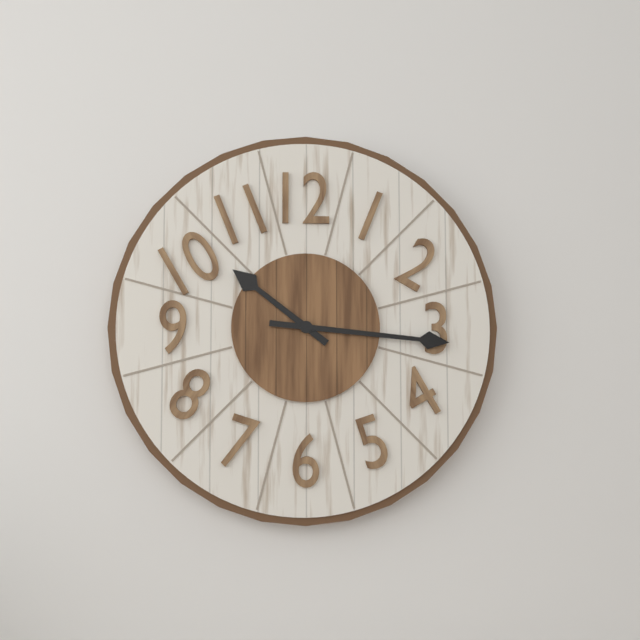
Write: h=10 m=16
